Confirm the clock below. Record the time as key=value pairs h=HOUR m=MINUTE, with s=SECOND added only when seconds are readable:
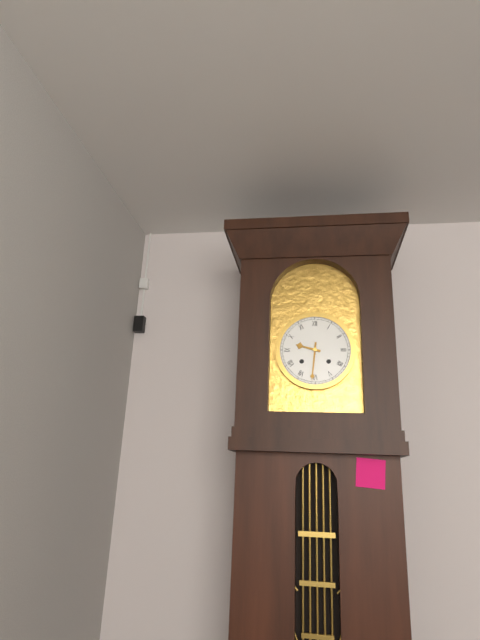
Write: h=9 m=31
